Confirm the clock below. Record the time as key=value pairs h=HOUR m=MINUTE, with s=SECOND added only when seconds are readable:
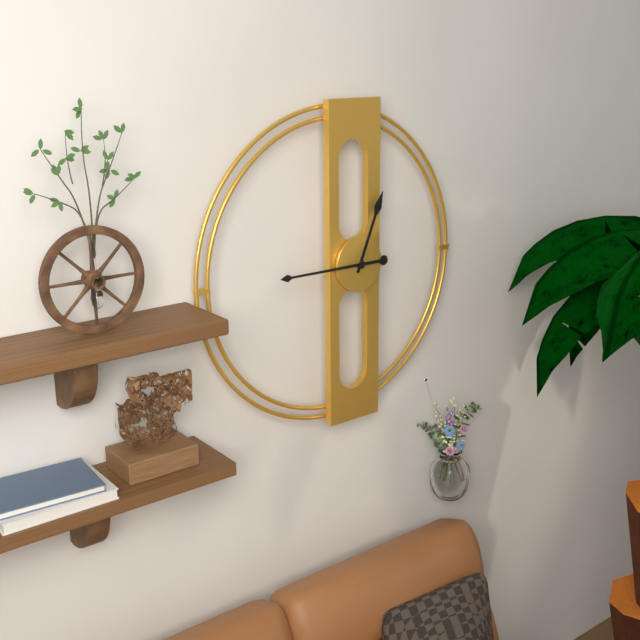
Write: h=12 m=45
